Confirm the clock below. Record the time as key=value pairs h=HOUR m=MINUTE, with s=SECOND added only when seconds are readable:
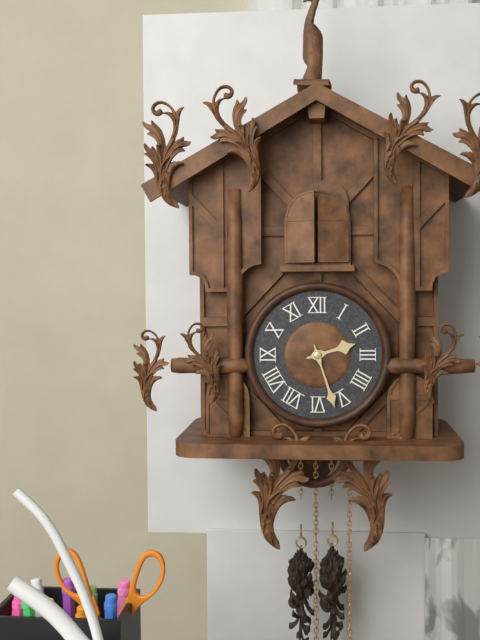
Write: h=2 m=27
